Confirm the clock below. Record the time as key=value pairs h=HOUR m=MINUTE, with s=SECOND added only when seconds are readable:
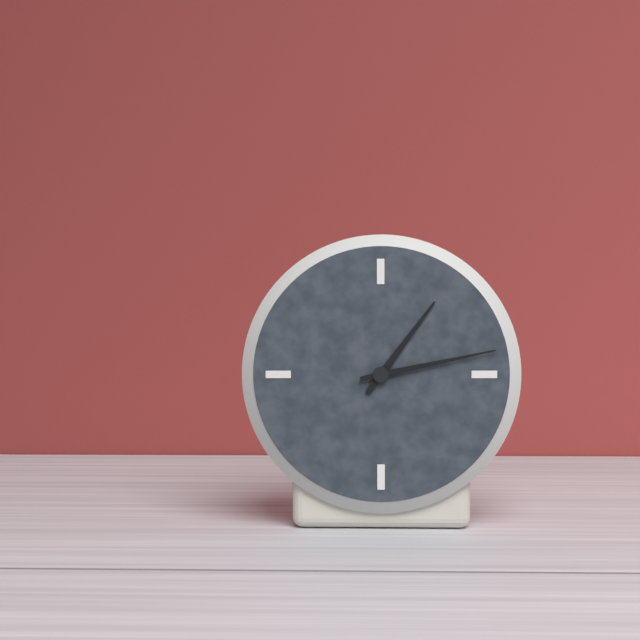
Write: h=1 m=13
